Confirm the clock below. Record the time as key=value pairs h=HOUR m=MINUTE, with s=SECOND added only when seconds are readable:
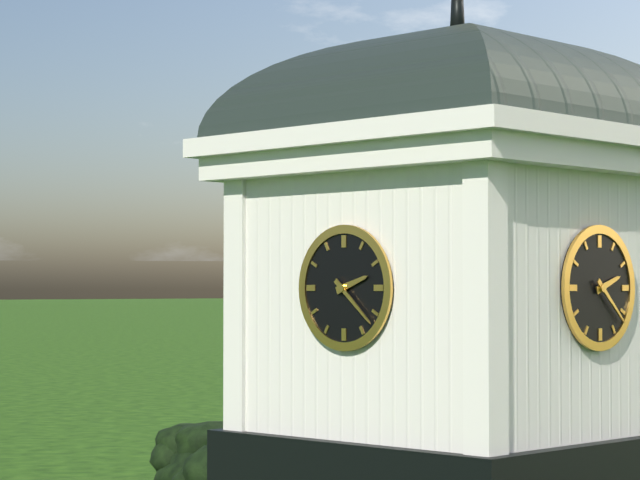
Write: h=2 m=22
